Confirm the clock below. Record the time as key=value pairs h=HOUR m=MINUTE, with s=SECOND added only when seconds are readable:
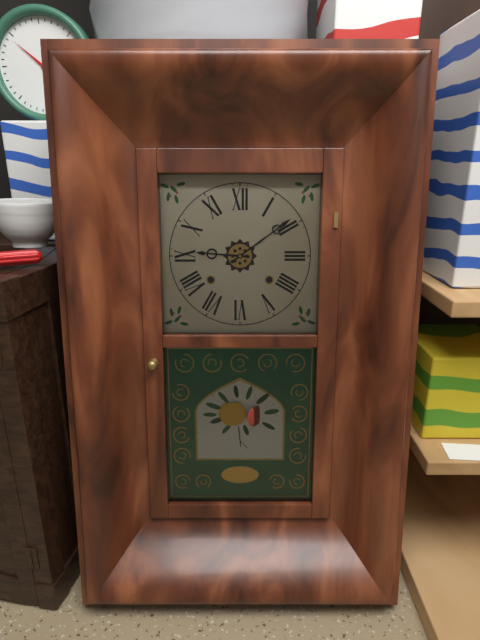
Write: h=9 m=9
